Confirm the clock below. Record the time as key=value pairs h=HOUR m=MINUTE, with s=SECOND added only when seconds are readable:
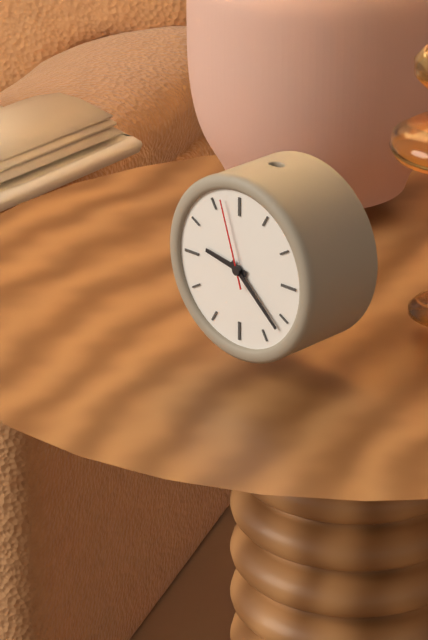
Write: h=9 m=22 s=57
